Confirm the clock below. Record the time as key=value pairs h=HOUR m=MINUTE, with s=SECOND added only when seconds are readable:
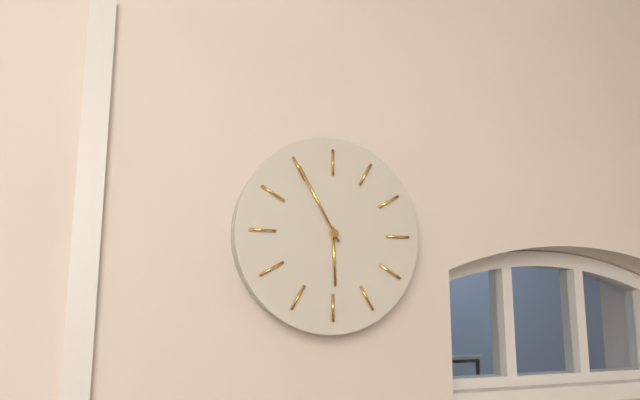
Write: h=5 m=55
